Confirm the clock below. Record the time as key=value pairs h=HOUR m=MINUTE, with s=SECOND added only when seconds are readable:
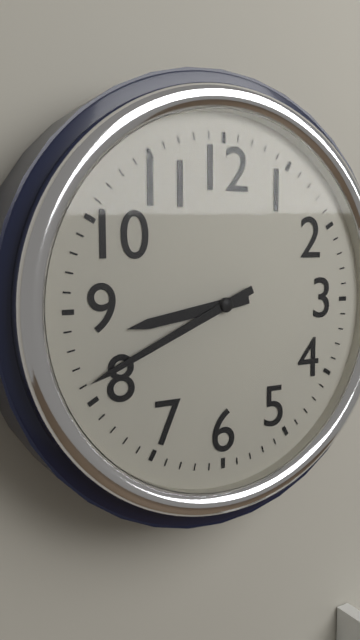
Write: h=8 m=41
